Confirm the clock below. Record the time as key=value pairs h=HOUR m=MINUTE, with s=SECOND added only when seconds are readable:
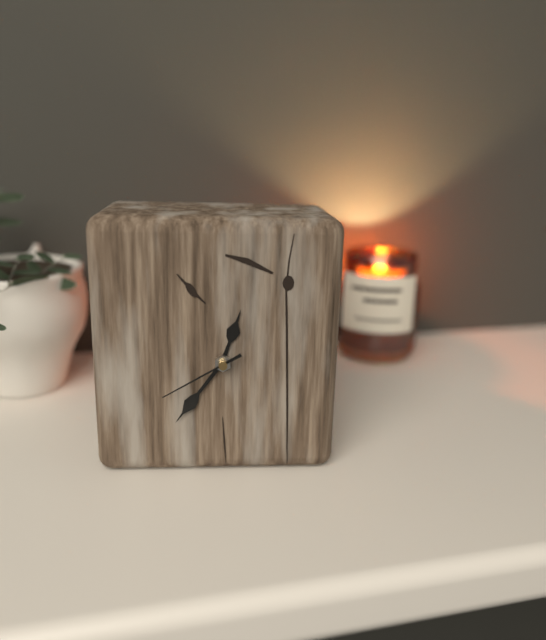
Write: h=12 m=36 s=40
